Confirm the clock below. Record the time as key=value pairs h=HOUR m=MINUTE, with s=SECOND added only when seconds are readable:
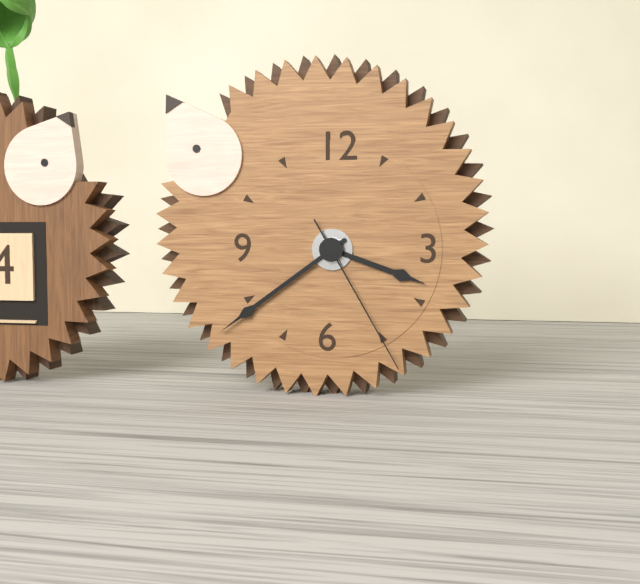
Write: h=3 m=39 s=25
